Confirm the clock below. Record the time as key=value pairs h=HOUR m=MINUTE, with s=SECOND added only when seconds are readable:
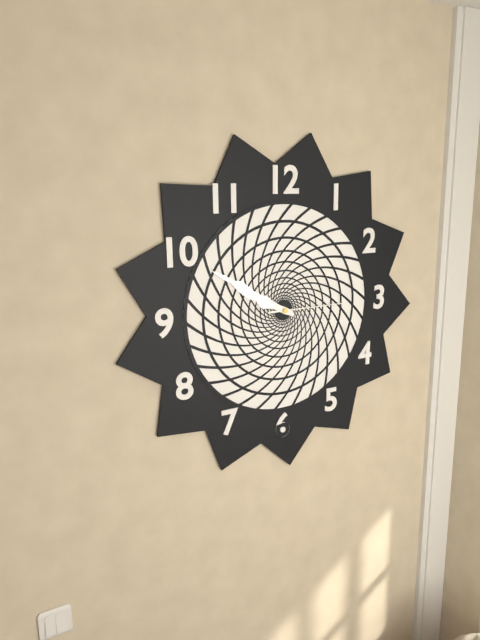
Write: h=9 m=50 s=15
